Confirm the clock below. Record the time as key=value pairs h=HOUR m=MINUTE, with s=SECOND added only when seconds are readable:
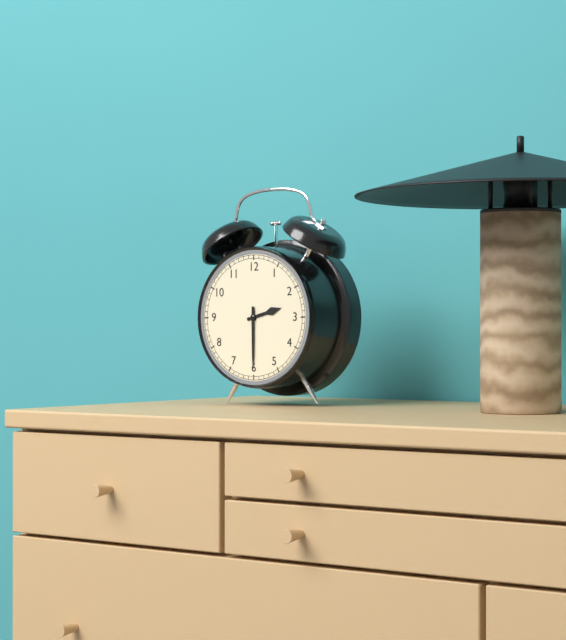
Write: h=2 m=30
